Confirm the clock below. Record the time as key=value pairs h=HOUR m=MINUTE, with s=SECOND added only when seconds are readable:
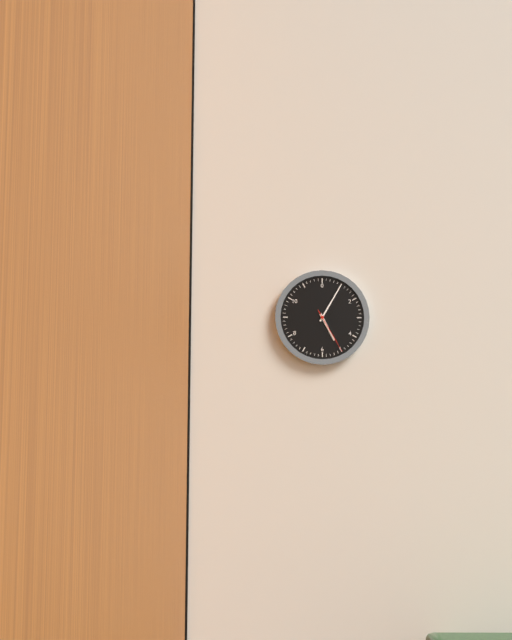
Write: h=5 m=5
